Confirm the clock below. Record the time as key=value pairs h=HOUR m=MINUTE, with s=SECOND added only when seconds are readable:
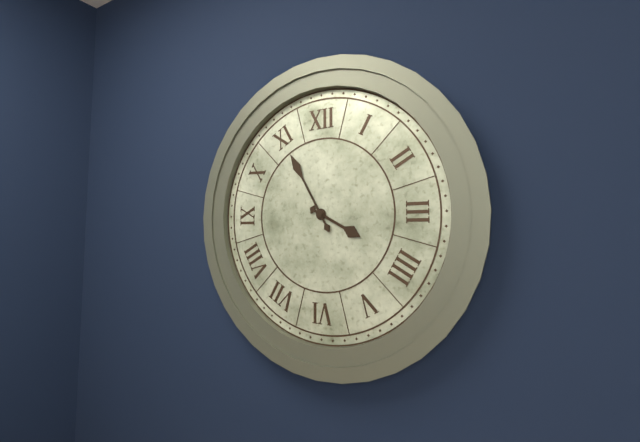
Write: h=3 m=55
